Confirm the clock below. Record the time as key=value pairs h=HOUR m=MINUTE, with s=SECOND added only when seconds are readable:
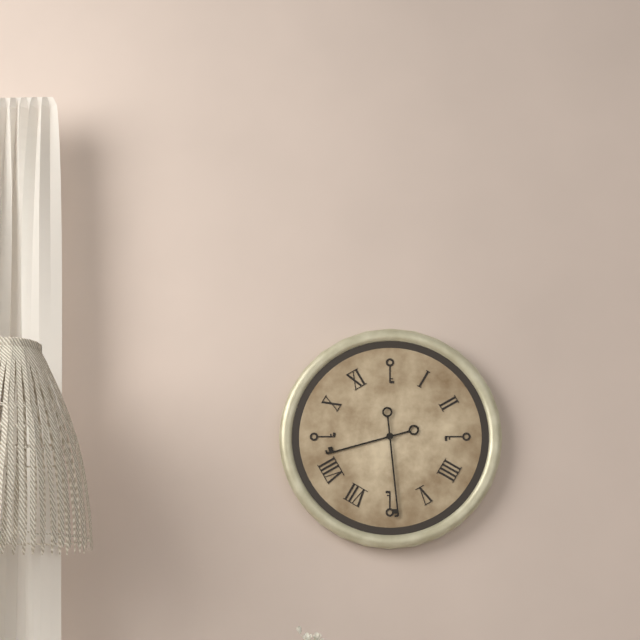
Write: h=8 m=29
